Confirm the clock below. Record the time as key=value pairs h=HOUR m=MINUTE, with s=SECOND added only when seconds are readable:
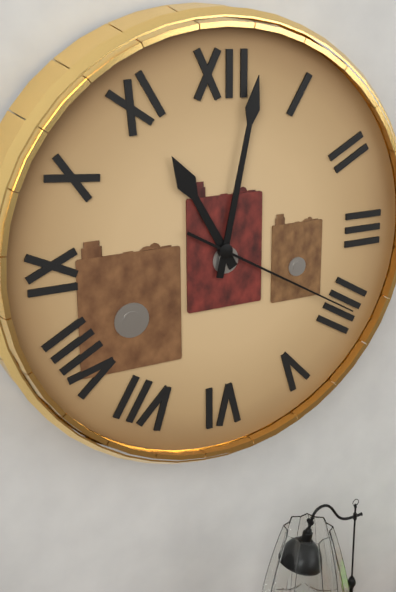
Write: h=11 m=2 s=20
